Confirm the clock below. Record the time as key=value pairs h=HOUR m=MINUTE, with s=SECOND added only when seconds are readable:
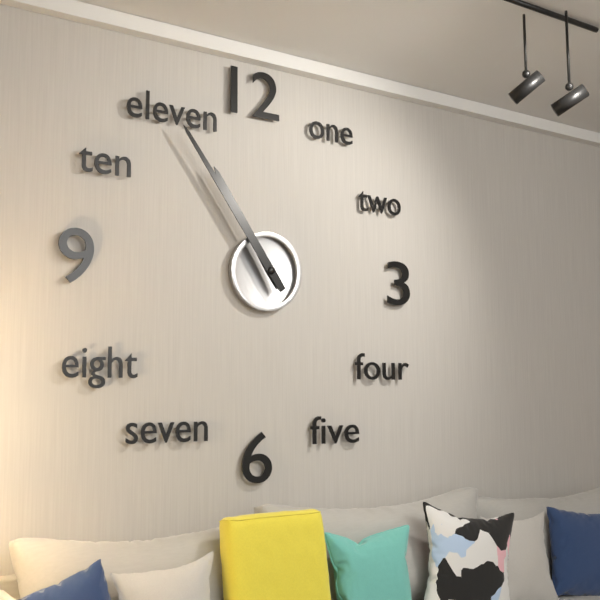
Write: h=10 m=54
